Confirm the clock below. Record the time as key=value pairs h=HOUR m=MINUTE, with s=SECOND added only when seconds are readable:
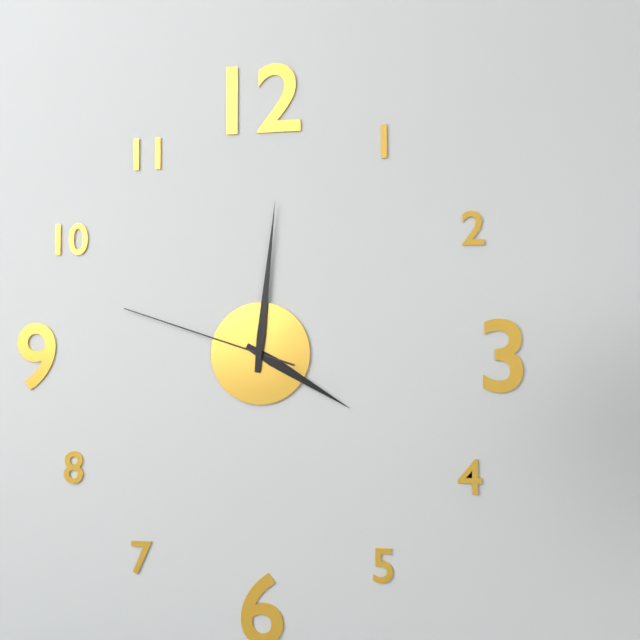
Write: h=4 m=1 s=48
